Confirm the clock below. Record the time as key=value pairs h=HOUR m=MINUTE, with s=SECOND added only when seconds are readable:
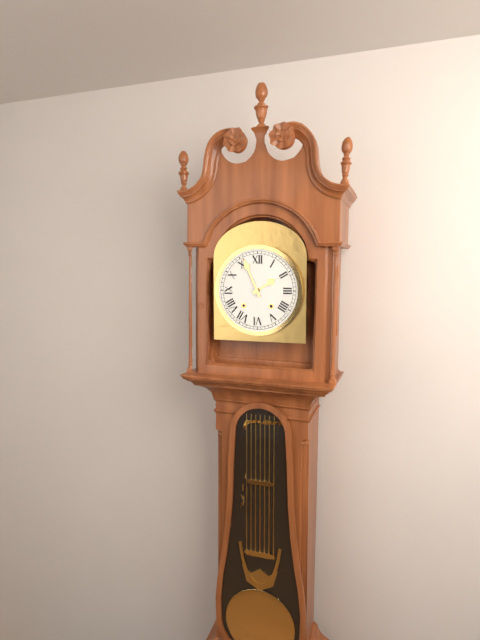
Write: h=1 m=56
